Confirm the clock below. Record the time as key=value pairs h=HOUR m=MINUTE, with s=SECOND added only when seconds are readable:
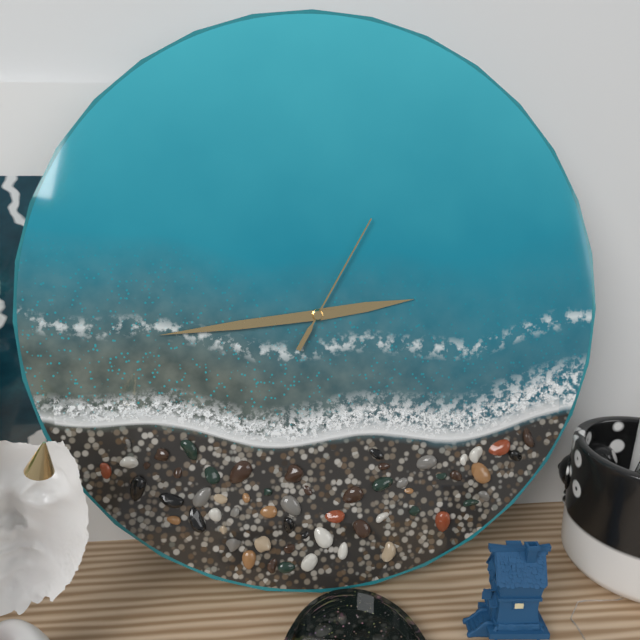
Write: h=2 m=44 s=5
